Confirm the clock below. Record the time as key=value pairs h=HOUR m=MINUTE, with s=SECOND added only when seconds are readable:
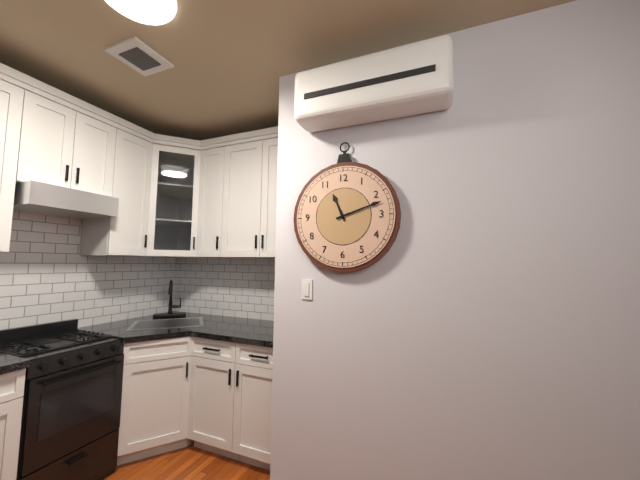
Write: h=11 m=12
